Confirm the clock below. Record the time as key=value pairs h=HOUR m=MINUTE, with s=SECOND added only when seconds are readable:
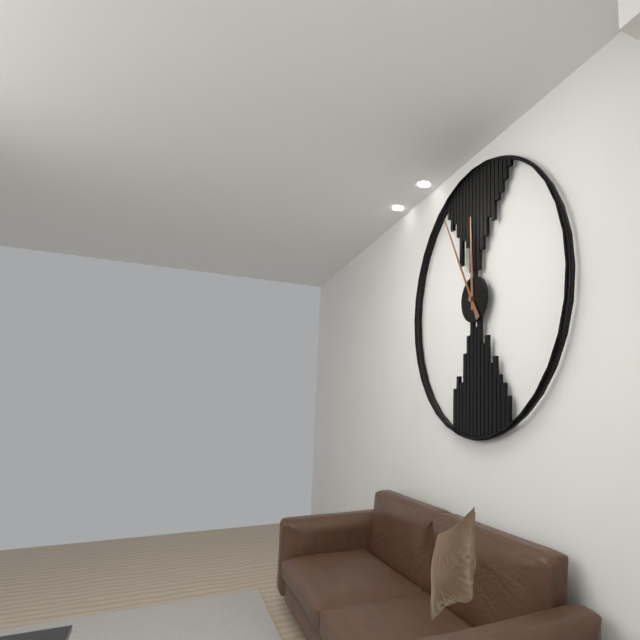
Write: h=11 m=55
